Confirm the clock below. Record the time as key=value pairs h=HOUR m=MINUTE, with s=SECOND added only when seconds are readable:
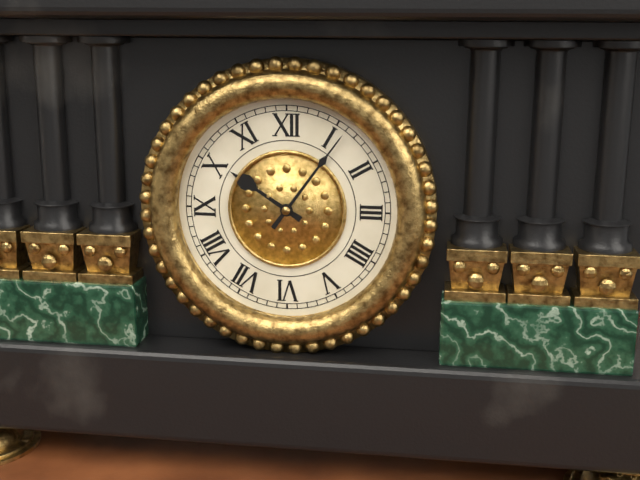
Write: h=10 m=6
